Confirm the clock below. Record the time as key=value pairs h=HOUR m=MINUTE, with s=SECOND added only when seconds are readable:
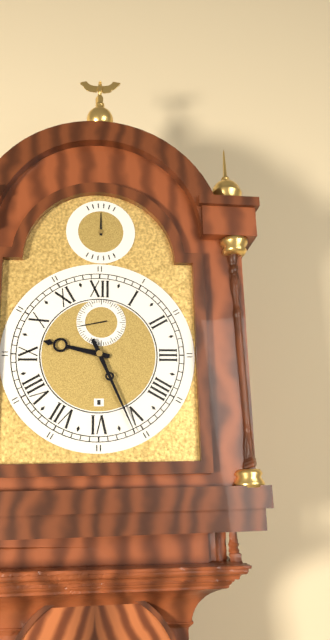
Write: h=9 m=26
